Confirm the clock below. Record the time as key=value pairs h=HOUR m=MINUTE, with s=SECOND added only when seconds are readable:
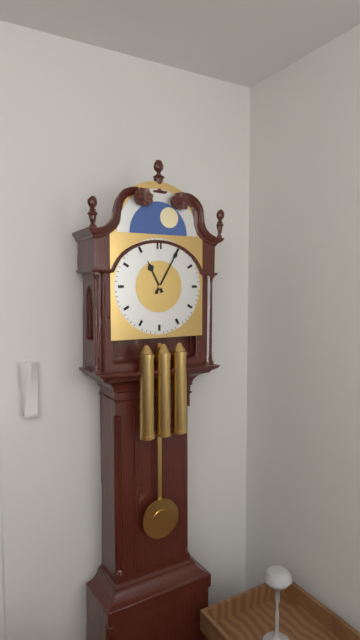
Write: h=11 m=5
